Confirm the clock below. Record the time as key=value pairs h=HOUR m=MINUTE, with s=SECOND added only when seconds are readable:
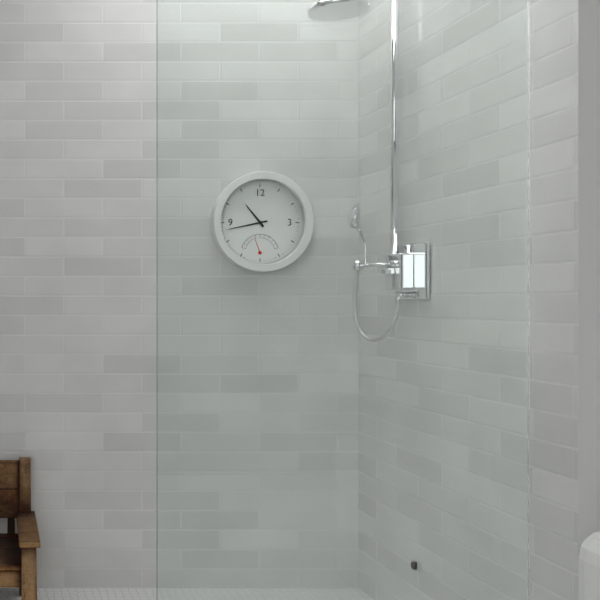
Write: h=10 m=43
